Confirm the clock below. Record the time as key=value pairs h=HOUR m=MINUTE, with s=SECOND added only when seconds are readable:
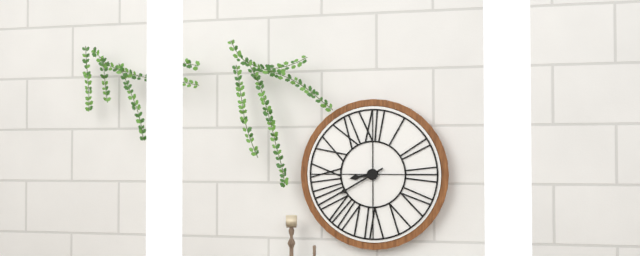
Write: h=8 m=40
